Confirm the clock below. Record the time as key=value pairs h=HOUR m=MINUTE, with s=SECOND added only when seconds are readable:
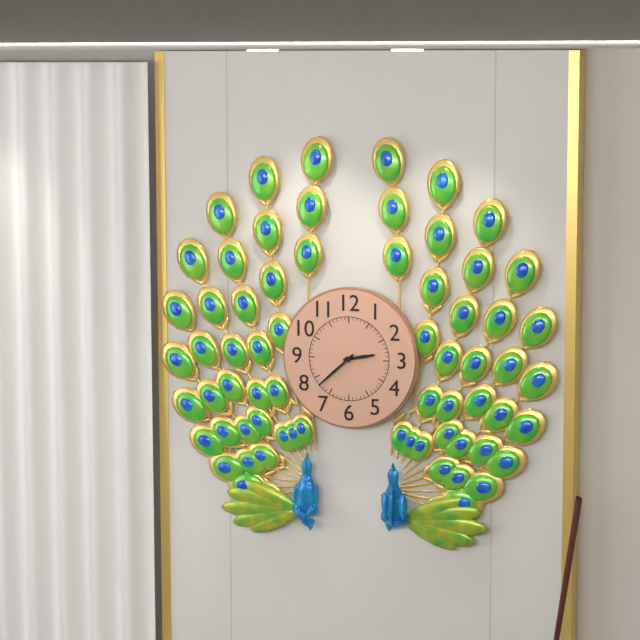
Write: h=2 m=38
